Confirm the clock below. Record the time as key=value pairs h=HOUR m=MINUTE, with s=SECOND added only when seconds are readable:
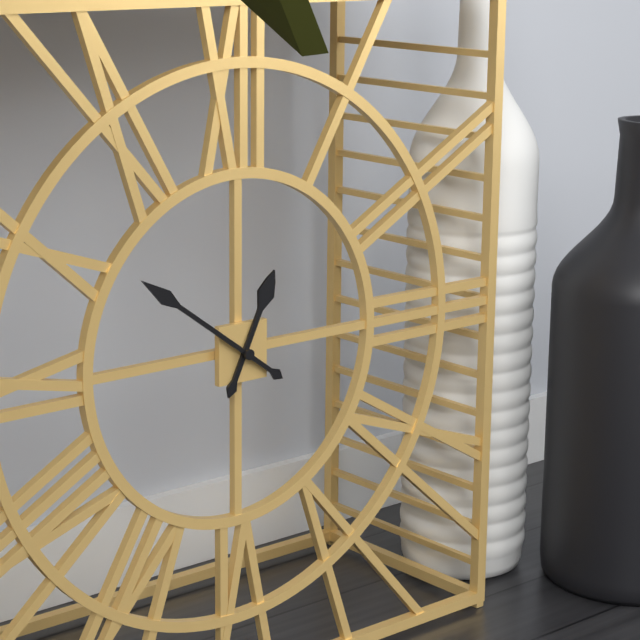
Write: h=12 m=51
